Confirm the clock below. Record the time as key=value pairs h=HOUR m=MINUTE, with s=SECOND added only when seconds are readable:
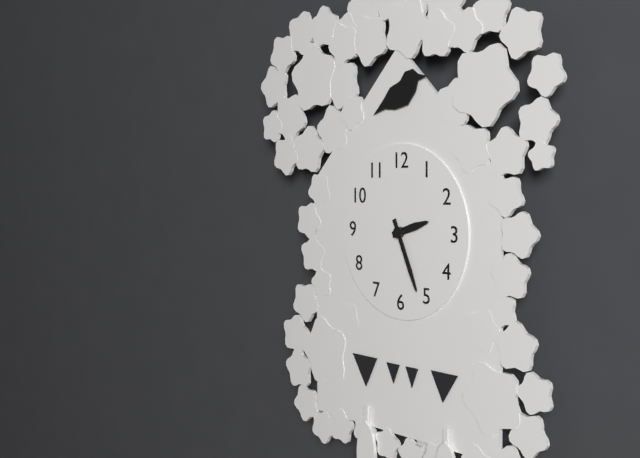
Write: h=2 m=26
